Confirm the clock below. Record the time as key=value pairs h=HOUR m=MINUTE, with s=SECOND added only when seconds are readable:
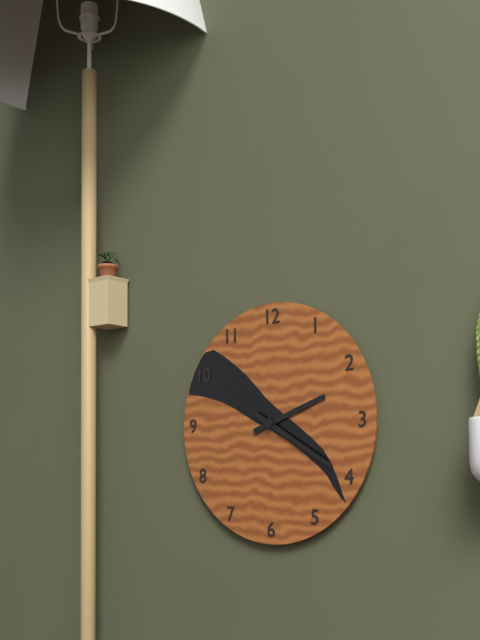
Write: h=2 m=20
